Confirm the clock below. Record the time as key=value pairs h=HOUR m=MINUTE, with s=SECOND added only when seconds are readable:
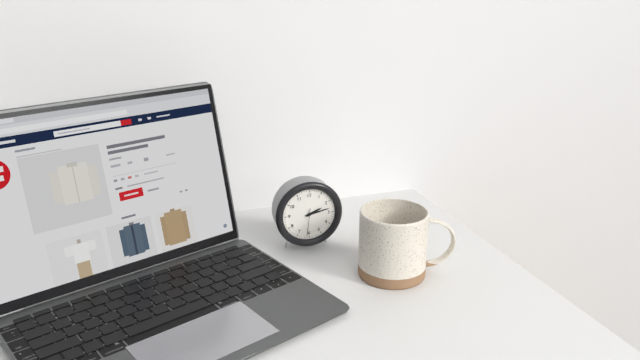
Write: h=2 m=13
